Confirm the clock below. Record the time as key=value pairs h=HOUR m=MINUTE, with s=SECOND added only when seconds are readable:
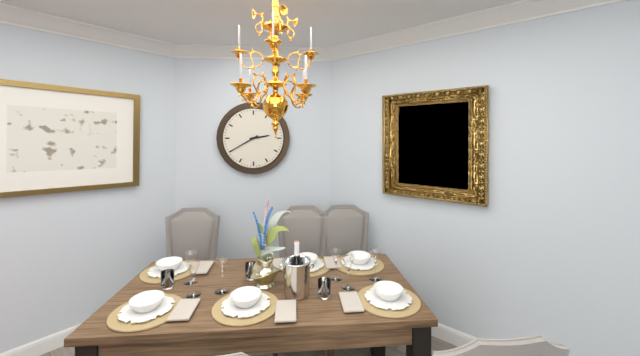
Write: h=2 m=40
